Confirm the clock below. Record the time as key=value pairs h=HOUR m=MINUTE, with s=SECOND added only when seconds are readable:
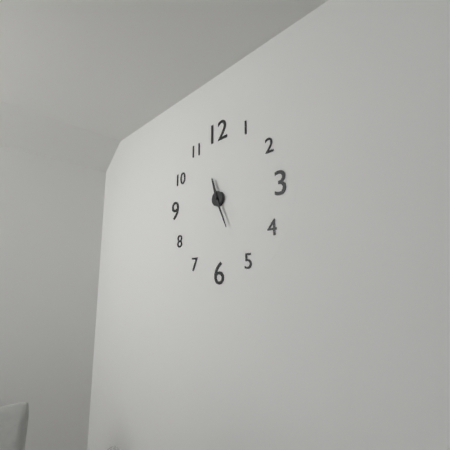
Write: h=11 m=26
